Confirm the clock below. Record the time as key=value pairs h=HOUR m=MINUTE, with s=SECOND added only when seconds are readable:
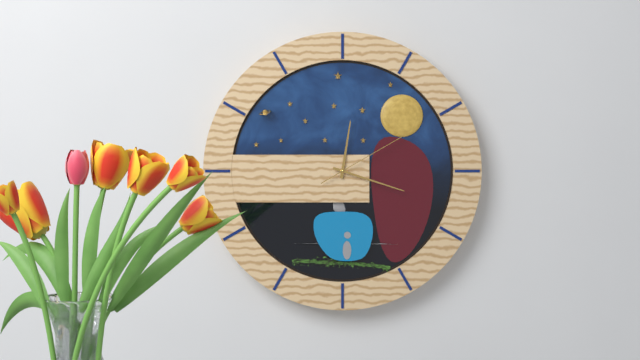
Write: h=12 m=18 s=10
